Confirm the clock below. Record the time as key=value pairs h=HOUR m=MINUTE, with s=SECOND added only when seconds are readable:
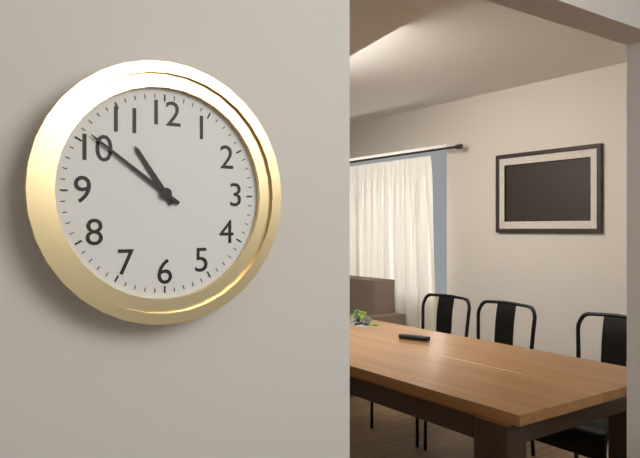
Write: h=10 m=51
